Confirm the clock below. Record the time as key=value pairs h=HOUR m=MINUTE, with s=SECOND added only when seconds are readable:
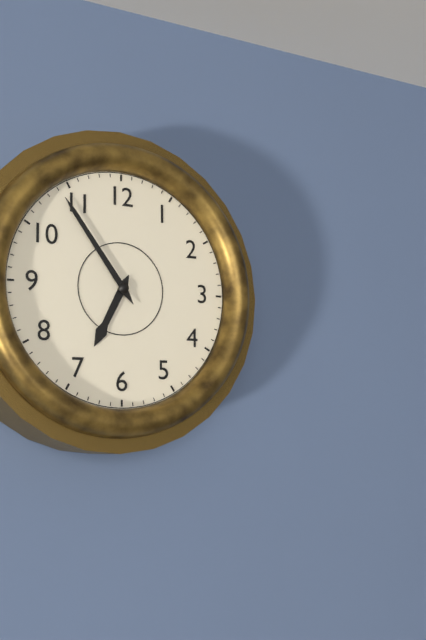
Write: h=6 m=54
